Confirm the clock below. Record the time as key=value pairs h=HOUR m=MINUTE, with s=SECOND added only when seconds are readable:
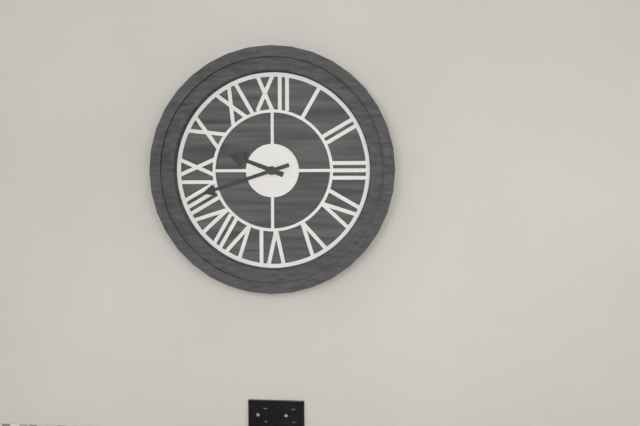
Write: h=9 m=42
